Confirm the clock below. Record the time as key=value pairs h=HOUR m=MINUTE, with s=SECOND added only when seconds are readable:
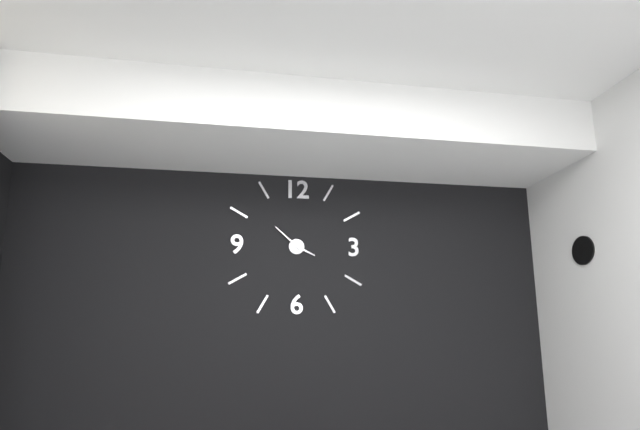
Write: h=3 m=52
